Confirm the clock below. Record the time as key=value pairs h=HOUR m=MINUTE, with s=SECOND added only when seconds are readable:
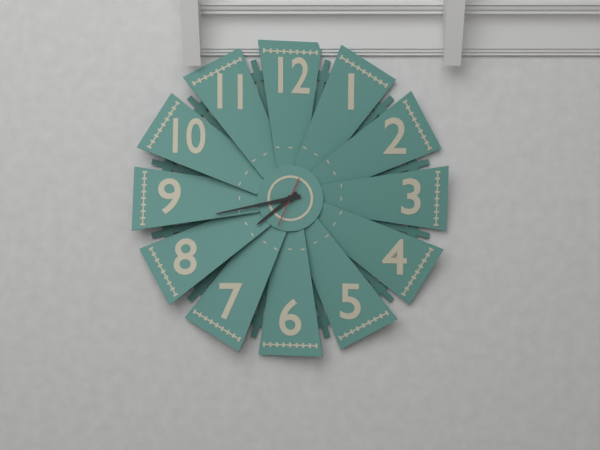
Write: h=7 m=43
